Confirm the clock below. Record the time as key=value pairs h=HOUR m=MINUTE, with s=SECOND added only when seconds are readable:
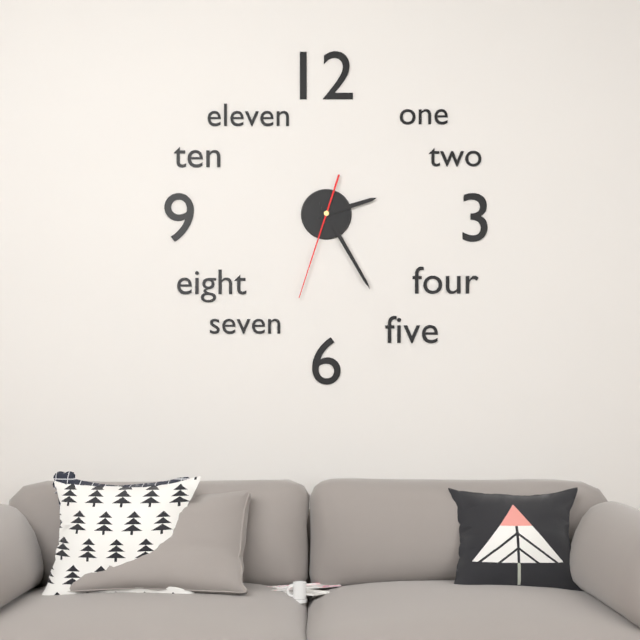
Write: h=2 m=25 s=33
